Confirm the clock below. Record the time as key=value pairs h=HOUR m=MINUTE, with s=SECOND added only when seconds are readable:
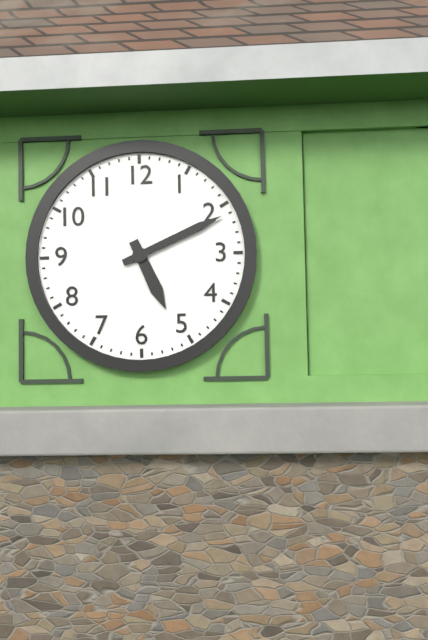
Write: h=5 m=11
